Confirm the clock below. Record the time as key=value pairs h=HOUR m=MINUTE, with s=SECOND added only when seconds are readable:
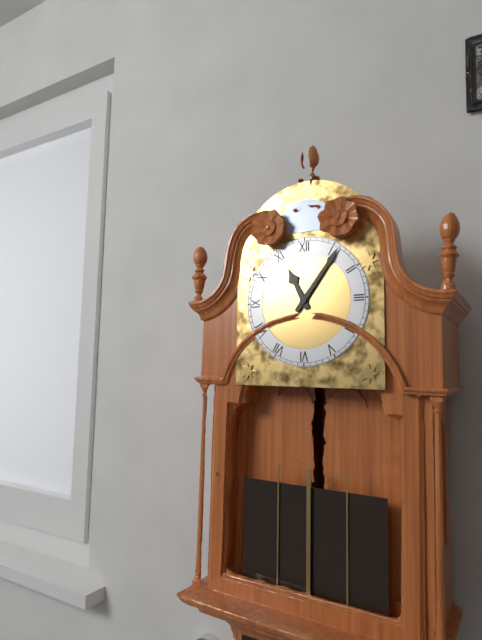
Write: h=11 m=6
